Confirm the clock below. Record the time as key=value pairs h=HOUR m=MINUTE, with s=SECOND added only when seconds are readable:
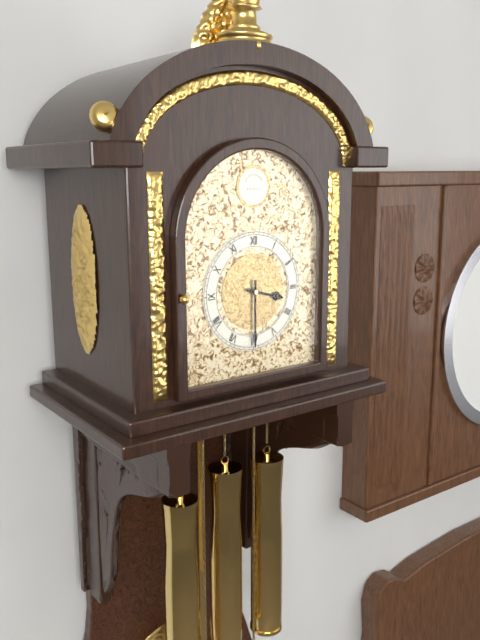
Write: h=3 m=30
